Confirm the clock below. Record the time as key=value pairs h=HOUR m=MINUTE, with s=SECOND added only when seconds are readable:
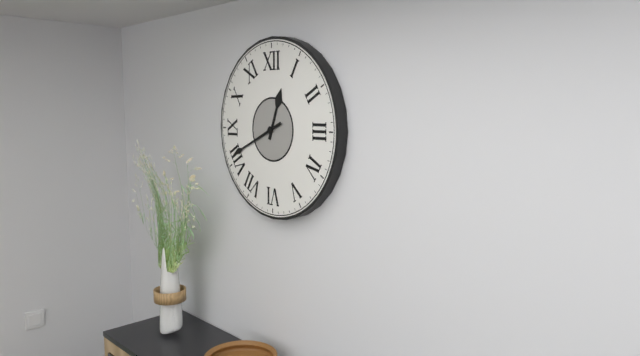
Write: h=12 m=41
